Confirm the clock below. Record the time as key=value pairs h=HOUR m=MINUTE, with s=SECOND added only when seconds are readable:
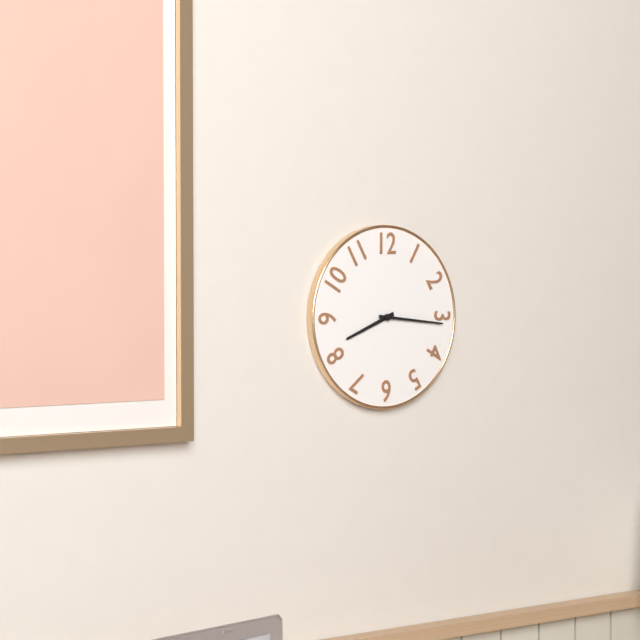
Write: h=8 m=16
